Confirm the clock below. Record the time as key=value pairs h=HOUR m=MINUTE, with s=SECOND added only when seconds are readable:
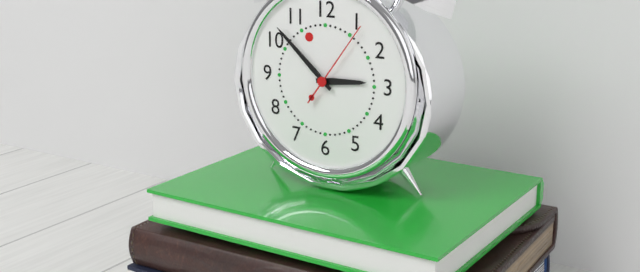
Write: h=2 m=52 s=6
